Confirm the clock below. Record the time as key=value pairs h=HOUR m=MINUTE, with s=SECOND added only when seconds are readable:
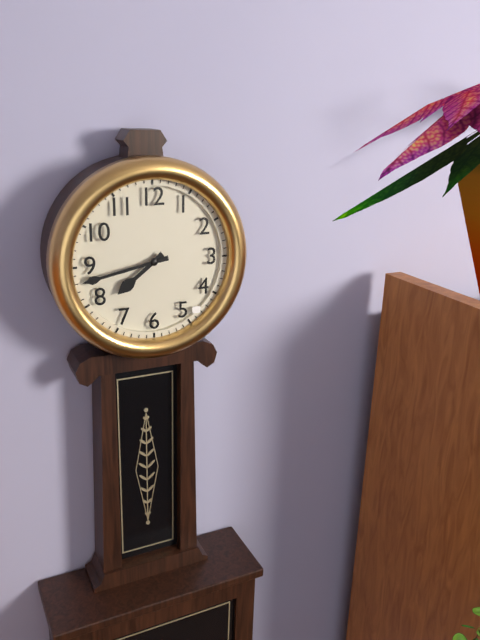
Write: h=7 m=43
